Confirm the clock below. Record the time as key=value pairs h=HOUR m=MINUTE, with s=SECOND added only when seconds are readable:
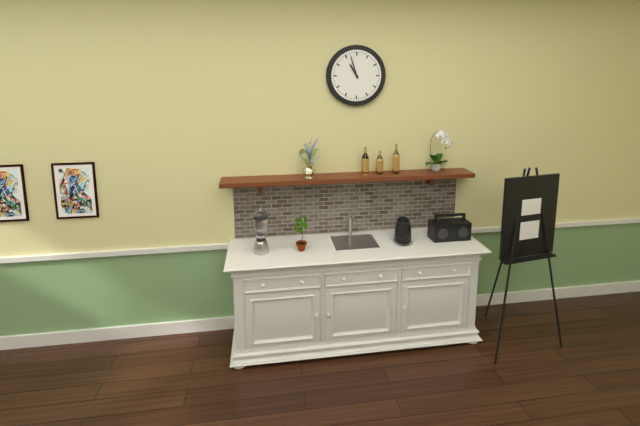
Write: h=10 m=57
